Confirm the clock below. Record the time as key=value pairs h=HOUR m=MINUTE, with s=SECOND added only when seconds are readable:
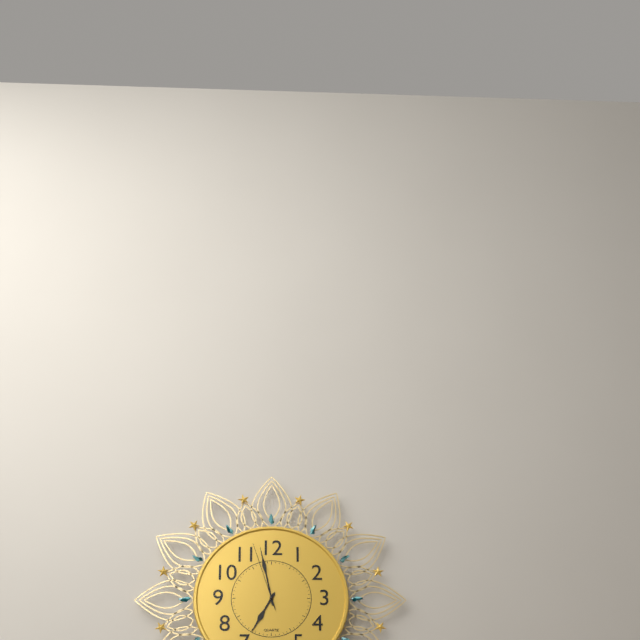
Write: h=6 m=58 s=57
